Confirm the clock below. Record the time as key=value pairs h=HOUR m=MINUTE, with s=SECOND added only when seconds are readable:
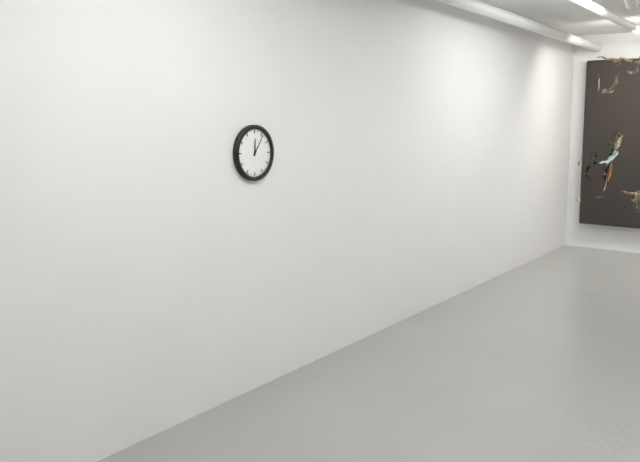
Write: h=12 m=6
